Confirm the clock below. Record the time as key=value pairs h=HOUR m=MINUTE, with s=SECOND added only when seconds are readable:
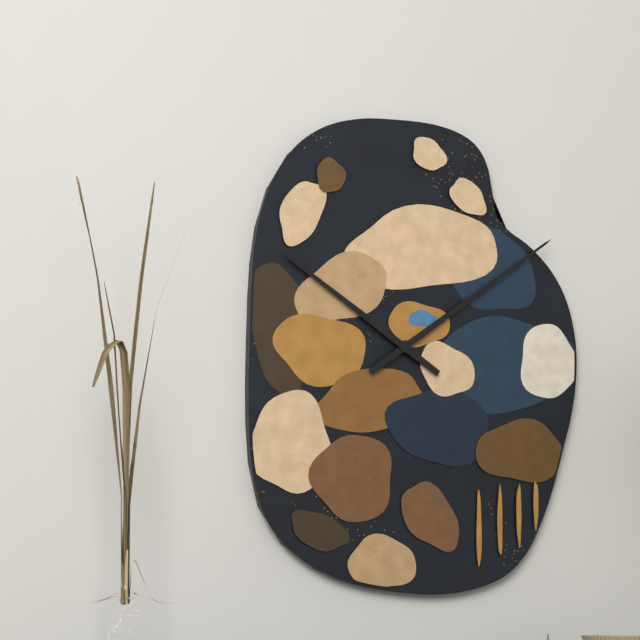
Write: h=10 m=9
